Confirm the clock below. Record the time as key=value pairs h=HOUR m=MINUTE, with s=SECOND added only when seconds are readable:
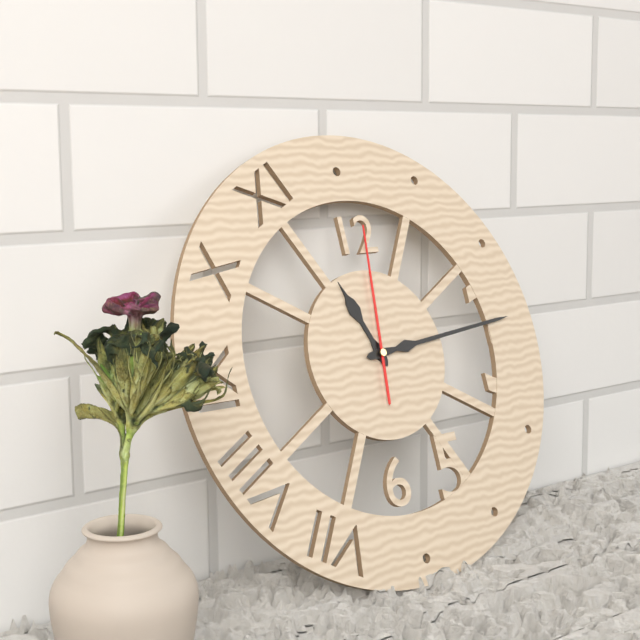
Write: h=11 m=14 s=1
